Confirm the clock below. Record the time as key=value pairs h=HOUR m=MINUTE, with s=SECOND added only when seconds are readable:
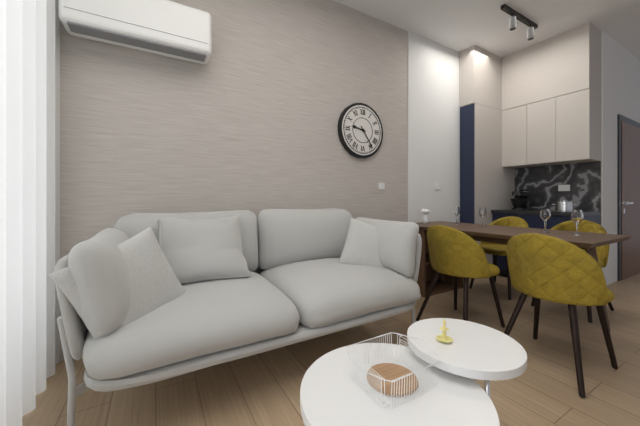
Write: h=9 m=24
